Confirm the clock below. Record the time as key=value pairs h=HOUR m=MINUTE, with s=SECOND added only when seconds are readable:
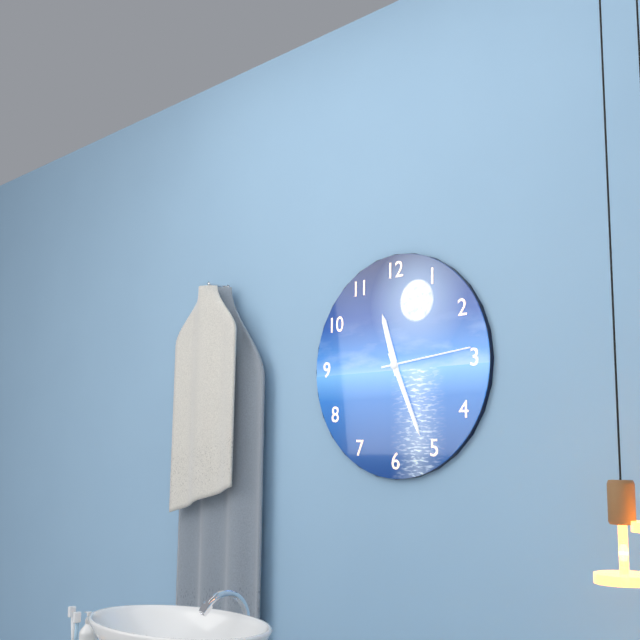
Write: h=11 m=26 s=14
